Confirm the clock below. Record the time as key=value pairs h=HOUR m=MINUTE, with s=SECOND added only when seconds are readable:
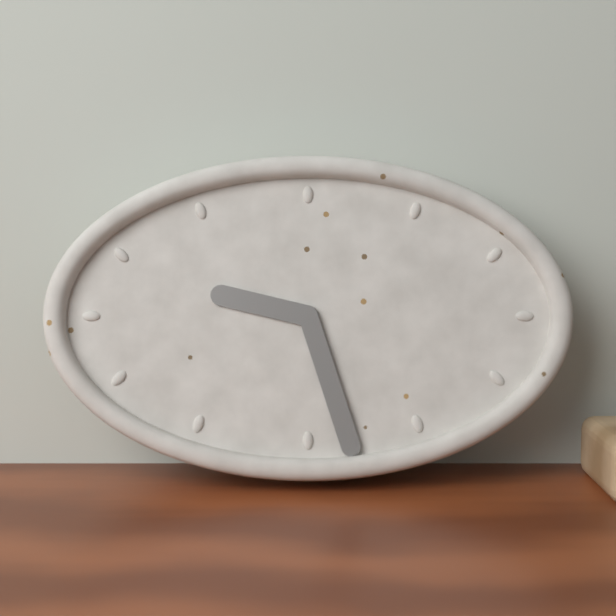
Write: h=9 m=27
